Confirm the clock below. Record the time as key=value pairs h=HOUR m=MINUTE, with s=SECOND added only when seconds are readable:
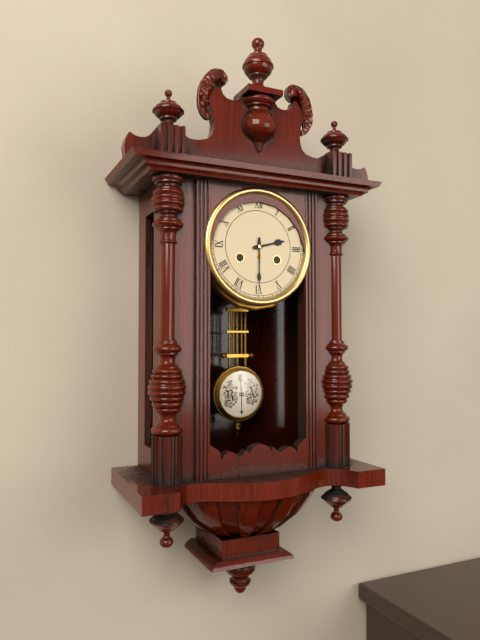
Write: h=2 m=30
